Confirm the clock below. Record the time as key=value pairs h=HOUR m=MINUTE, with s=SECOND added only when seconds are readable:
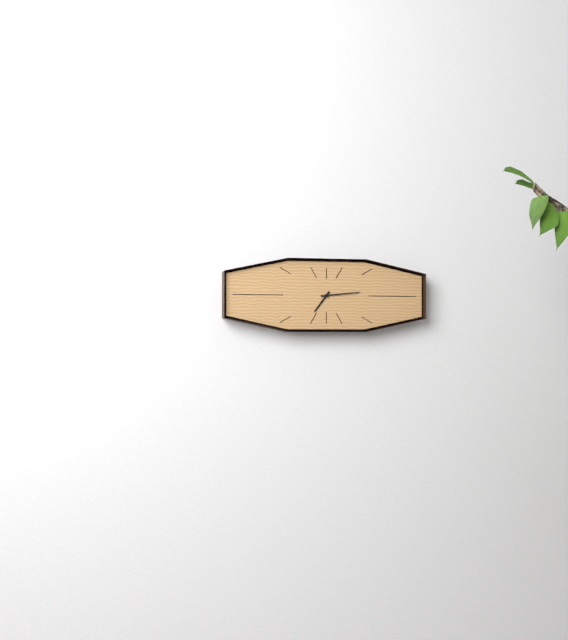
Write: h=7 m=14
